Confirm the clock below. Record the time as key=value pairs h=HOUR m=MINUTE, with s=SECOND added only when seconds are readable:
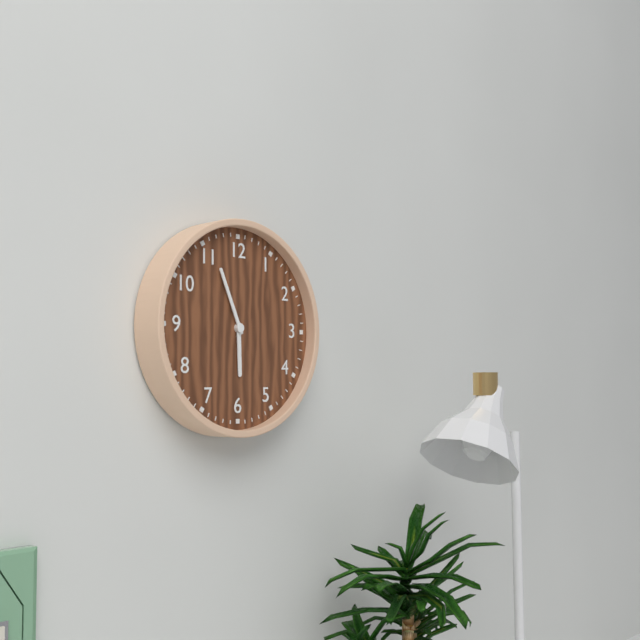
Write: h=5 m=56
